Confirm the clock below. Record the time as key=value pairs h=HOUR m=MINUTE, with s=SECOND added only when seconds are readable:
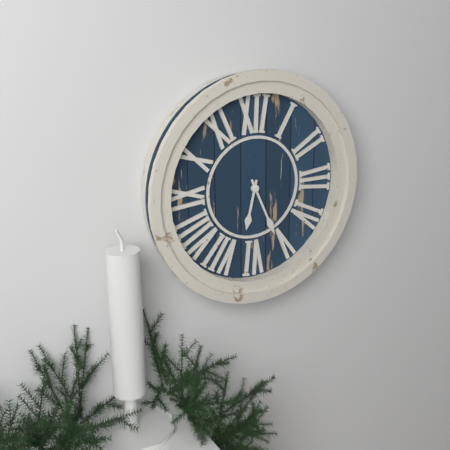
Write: h=6 m=26
